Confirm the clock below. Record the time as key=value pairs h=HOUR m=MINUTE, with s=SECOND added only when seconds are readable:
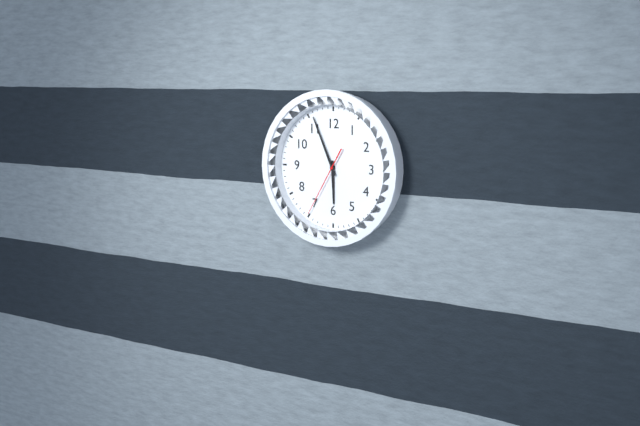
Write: h=5 m=56 s=35
